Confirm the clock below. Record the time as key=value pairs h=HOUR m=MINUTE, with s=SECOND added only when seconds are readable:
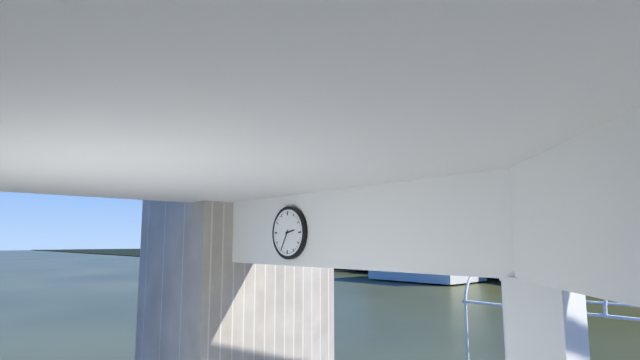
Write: h=2 m=35
